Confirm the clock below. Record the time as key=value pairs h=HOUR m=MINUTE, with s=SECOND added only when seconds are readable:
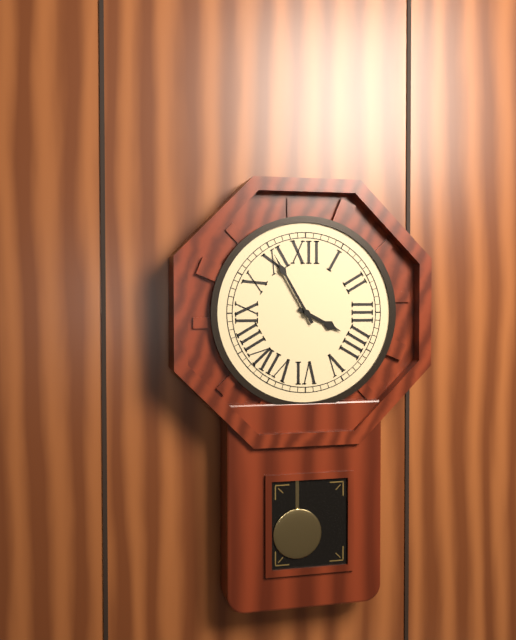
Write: h=3 m=55
